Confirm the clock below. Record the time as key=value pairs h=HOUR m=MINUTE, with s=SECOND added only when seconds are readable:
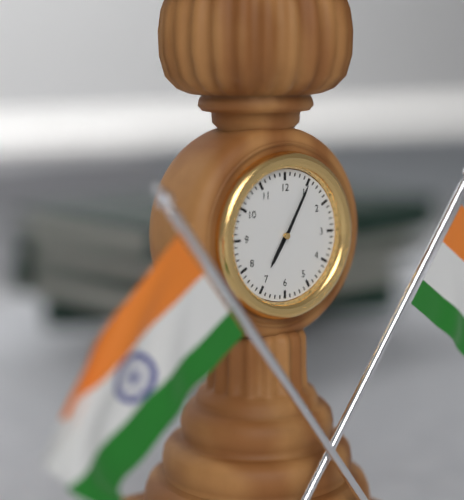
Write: h=7 m=5
